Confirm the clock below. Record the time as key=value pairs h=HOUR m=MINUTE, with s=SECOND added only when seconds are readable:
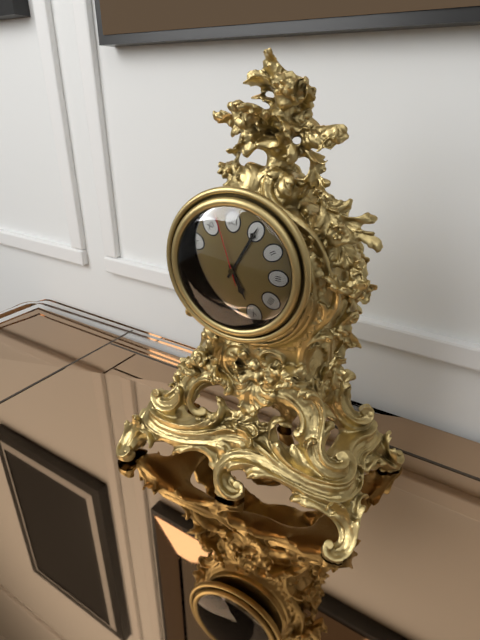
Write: h=5 m=5 s=57
